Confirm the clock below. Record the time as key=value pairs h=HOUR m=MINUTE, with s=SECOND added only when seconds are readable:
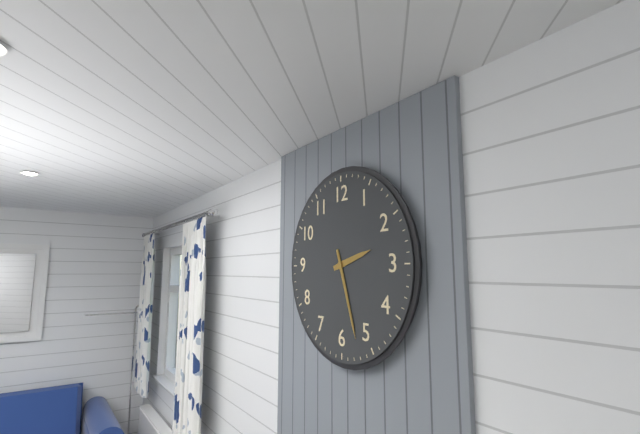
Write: h=2 m=27
